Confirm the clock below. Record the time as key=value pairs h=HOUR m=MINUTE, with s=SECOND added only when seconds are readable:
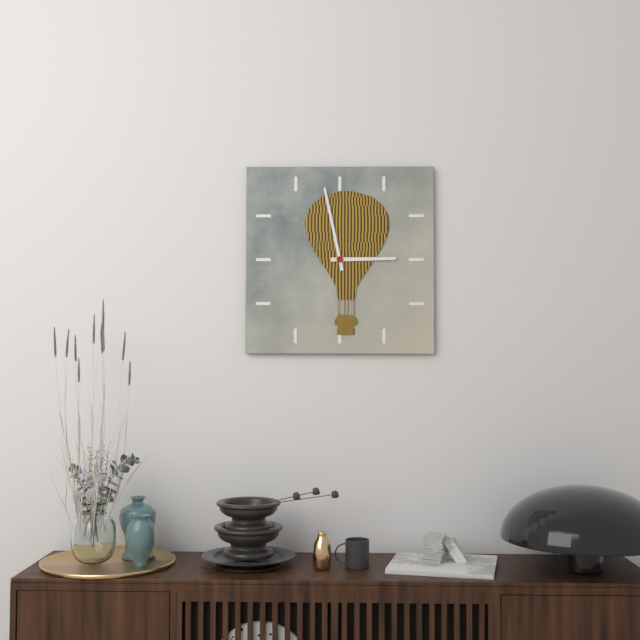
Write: h=2 m=58
